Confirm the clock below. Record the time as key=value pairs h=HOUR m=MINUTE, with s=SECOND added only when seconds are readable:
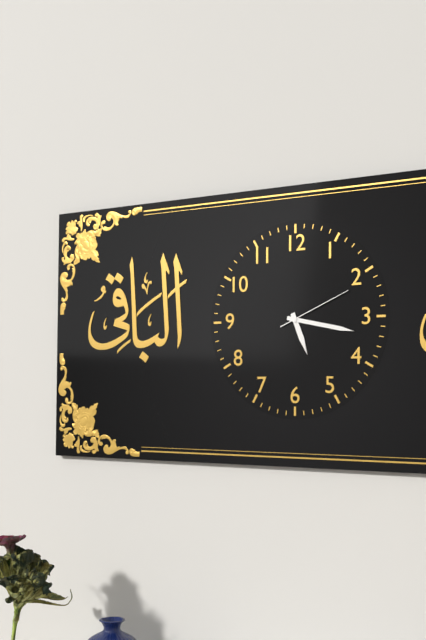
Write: h=5 m=17 s=11
